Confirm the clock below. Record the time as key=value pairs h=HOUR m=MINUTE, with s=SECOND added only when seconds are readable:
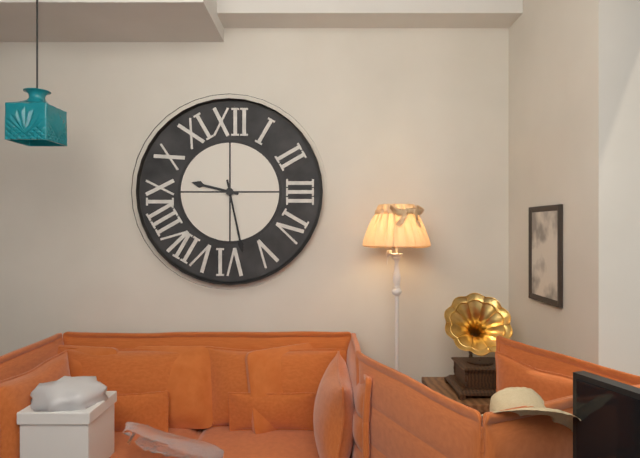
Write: h=9 m=28
